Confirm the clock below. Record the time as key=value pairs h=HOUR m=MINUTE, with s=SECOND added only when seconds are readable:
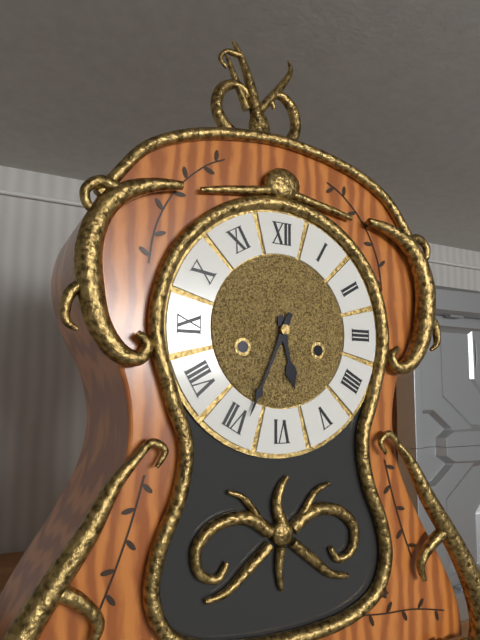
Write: h=5 m=34
